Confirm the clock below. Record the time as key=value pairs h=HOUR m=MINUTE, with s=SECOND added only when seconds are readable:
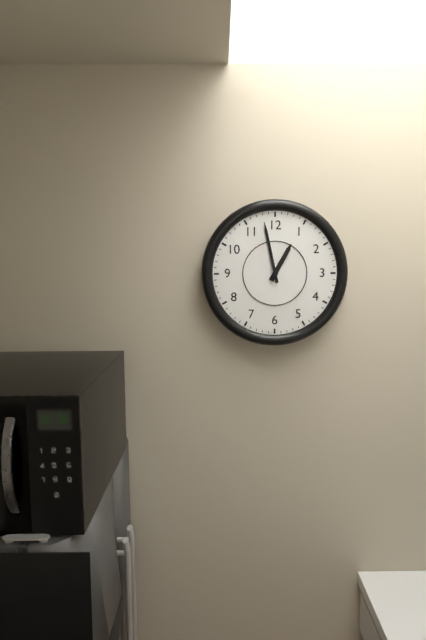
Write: h=12 m=58
